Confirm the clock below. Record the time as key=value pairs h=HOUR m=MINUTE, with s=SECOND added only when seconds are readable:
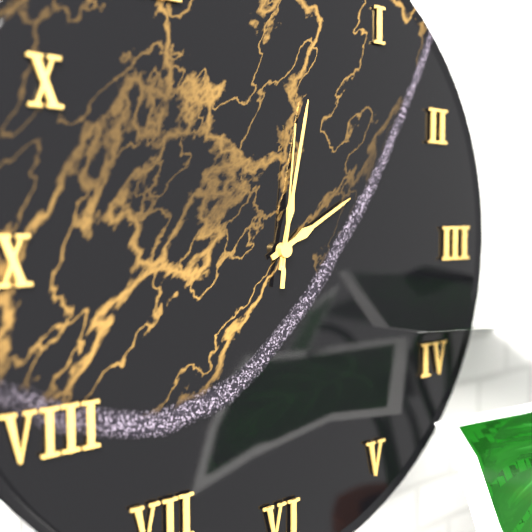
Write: h=2 m=2 s=1
